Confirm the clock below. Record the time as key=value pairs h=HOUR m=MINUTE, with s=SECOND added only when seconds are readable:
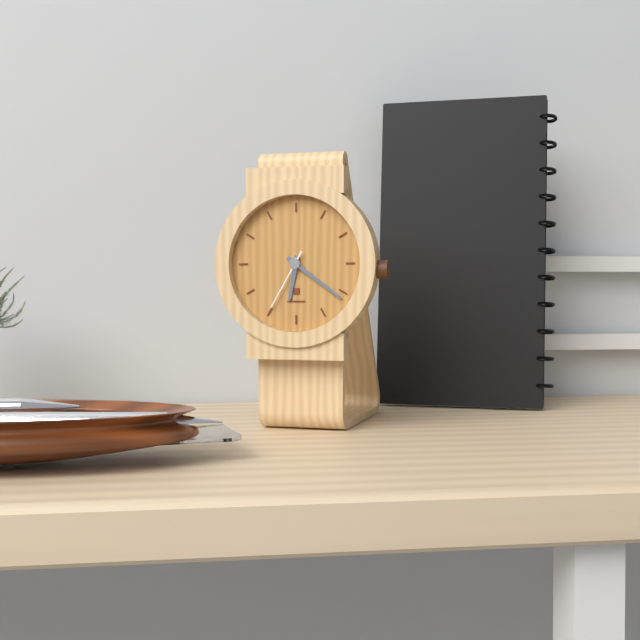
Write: h=6 m=21 s=35
